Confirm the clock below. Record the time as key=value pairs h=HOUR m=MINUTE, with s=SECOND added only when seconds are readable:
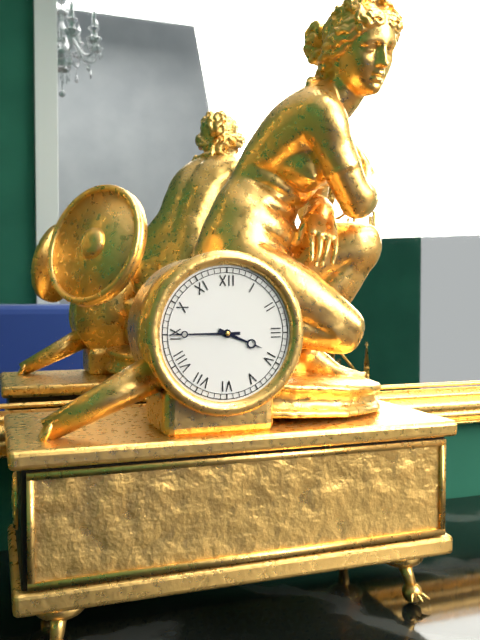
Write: h=3 m=45
